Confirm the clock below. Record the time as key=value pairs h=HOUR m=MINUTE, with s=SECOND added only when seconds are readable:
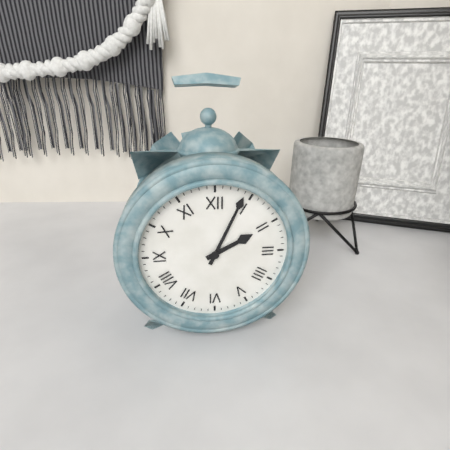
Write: h=2 m=4
